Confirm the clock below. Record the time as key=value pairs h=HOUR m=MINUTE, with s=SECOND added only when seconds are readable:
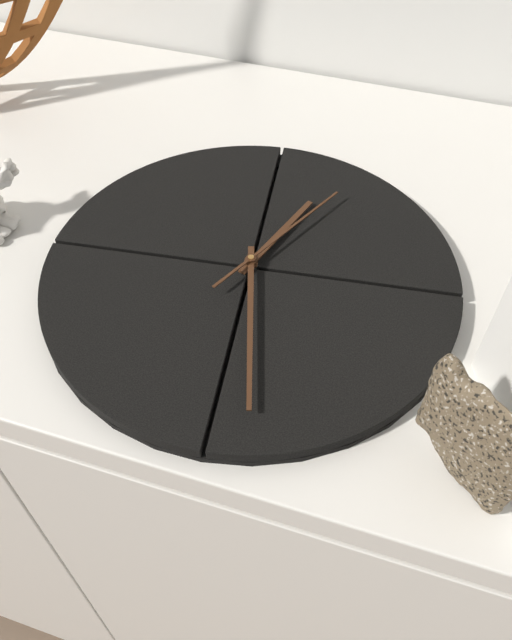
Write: h=1 m=32 s=9
